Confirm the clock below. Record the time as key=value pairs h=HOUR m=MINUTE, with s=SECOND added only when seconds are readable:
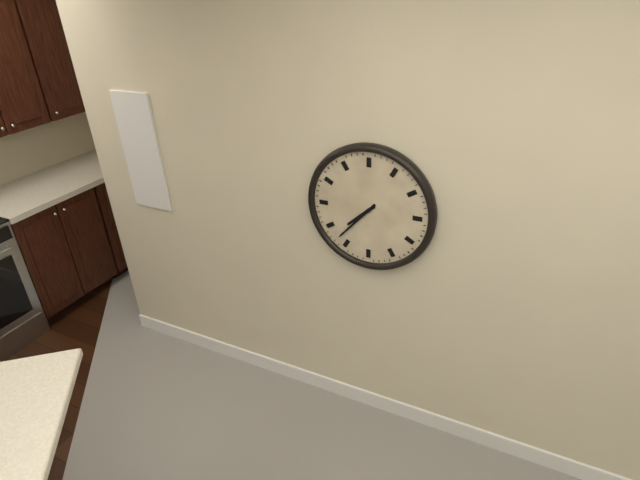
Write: h=7 m=37
